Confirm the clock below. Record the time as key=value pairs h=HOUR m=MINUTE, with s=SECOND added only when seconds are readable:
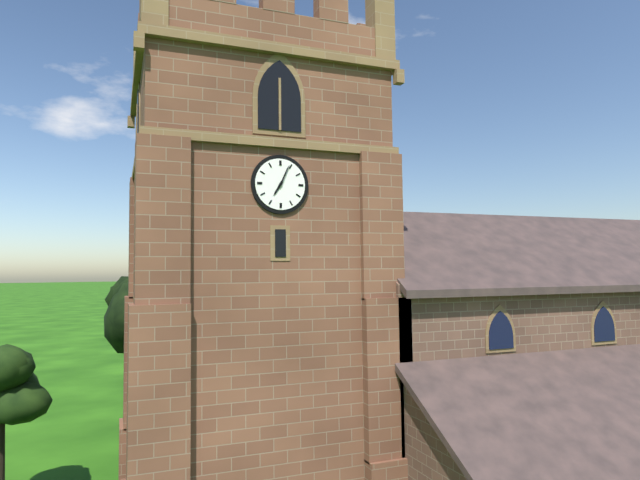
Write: h=7 m=4
